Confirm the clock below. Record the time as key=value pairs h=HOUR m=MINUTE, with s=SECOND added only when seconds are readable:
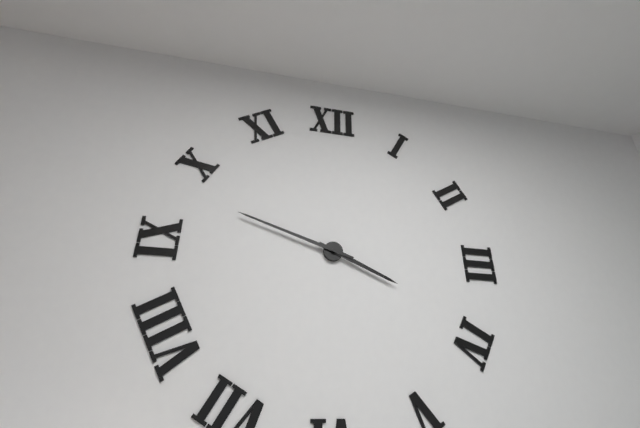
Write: h=3 m=48
